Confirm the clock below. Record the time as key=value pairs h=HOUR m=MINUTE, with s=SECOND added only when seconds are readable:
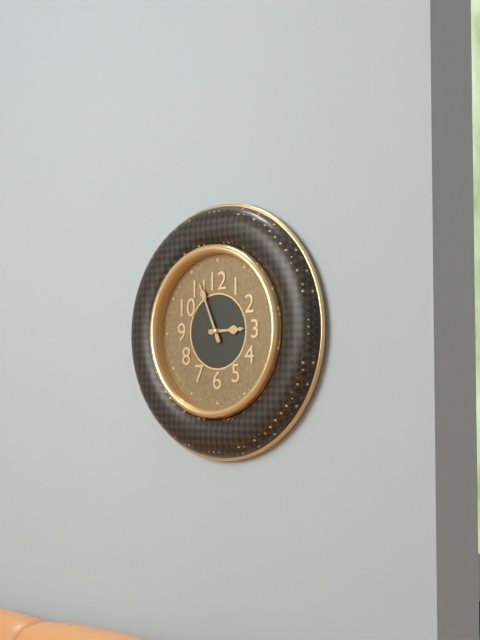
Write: h=2 m=56
